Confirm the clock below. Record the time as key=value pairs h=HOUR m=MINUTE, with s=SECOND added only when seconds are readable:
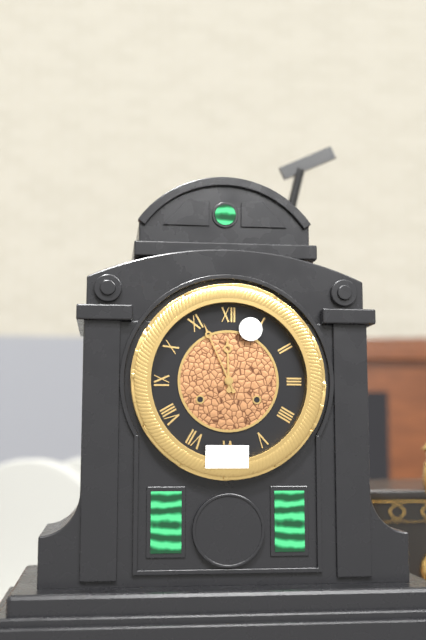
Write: h=11 m=56
